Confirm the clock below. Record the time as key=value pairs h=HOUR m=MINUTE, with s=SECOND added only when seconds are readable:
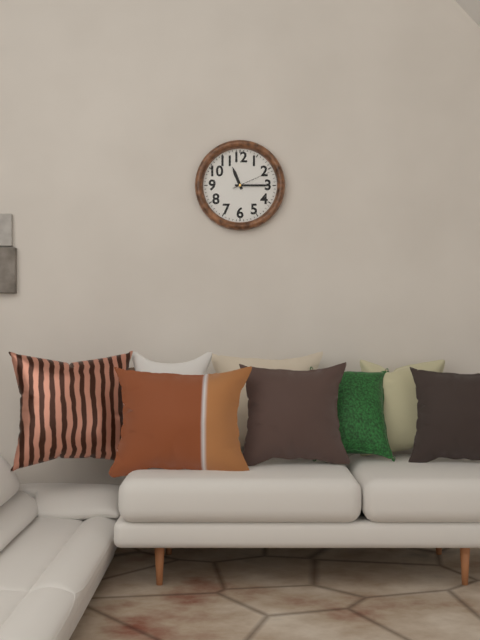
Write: h=11 m=15
